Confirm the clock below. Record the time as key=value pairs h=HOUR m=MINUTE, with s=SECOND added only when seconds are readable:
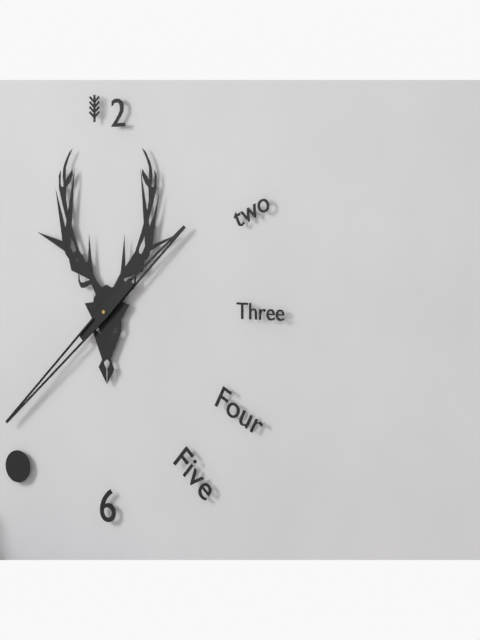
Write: h=1 m=38
